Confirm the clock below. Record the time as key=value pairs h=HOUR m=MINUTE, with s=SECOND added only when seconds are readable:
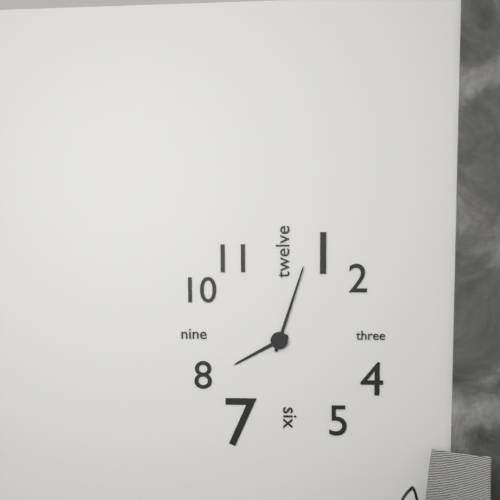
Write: h=8 m=3
